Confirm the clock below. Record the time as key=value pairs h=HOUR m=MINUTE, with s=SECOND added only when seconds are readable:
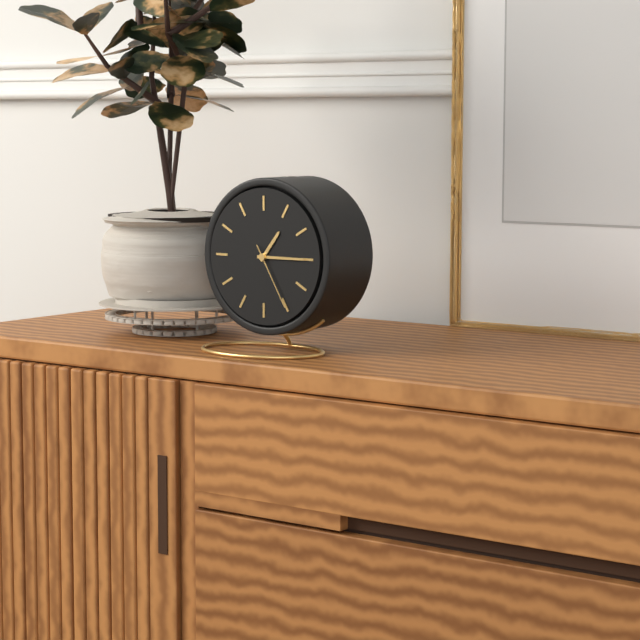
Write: h=1 m=15 s=25
